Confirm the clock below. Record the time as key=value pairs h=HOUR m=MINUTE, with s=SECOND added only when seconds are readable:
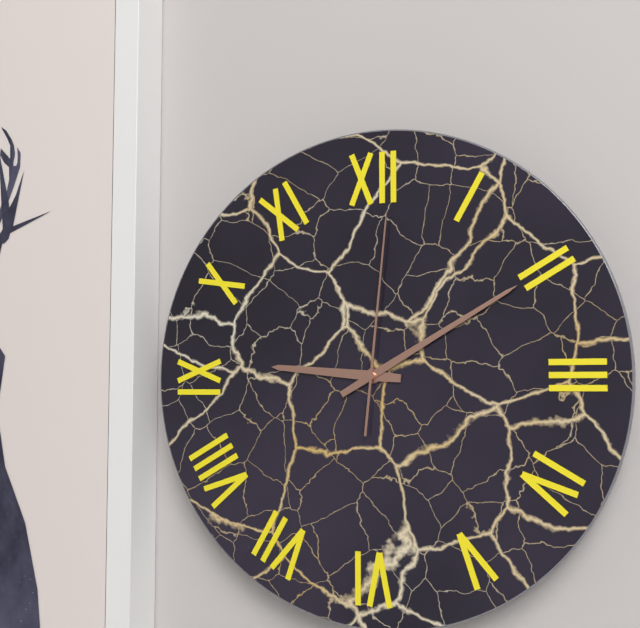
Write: h=9 m=10 s=1
